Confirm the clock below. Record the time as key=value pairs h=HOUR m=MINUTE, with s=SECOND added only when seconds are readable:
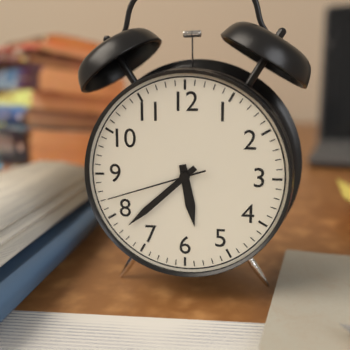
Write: h=5 m=38 s=42
